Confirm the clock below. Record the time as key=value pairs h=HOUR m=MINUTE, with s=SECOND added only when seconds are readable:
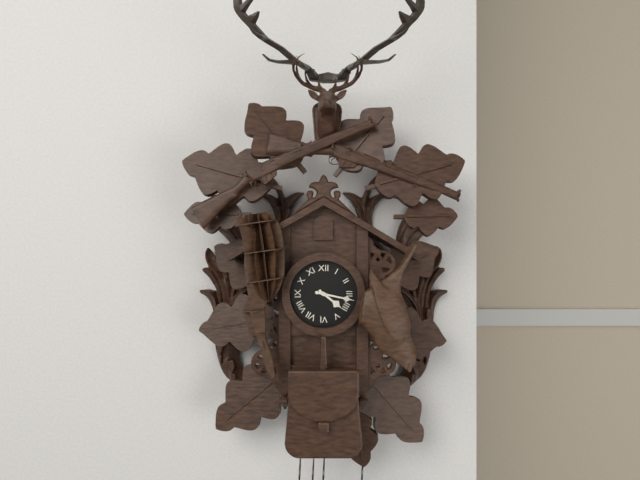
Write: h=4 m=17
